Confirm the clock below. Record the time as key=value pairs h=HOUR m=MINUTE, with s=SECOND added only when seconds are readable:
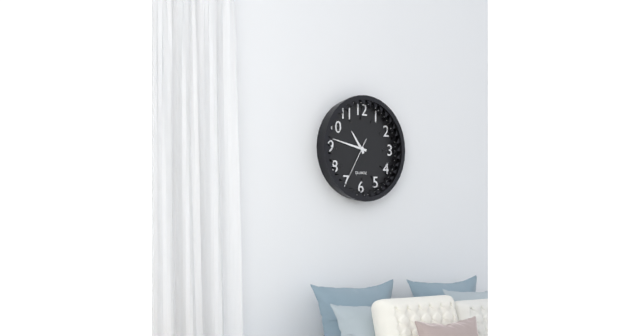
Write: h=10 m=47 s=35
